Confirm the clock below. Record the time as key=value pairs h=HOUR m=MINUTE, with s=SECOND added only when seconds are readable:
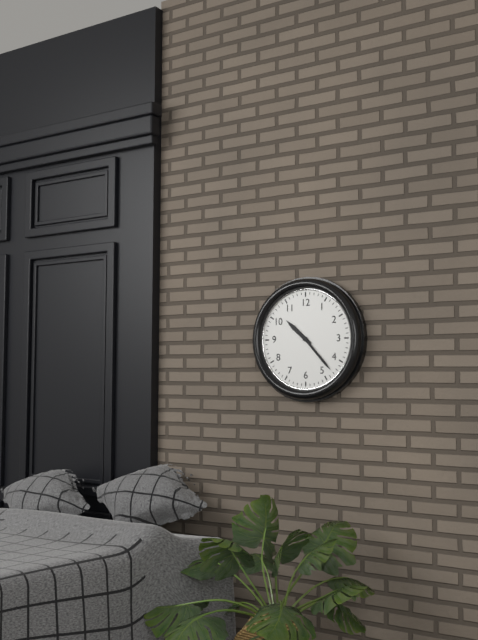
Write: h=10 m=23
